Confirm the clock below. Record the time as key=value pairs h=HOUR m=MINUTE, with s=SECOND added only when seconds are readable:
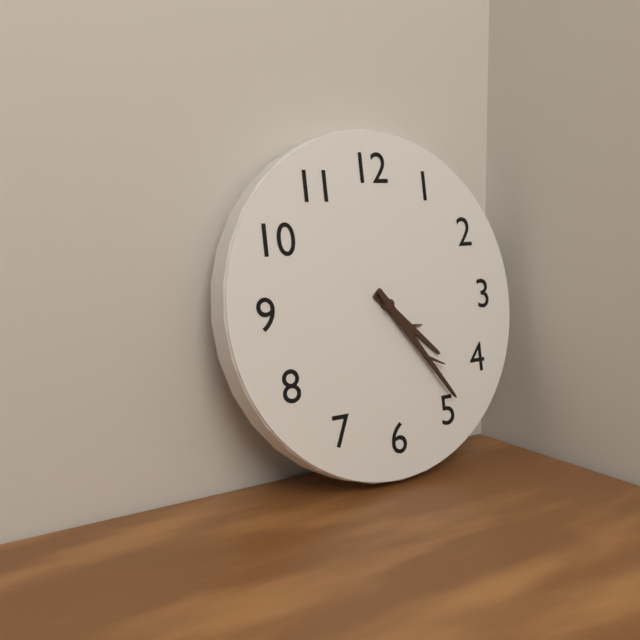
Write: h=4 m=24
